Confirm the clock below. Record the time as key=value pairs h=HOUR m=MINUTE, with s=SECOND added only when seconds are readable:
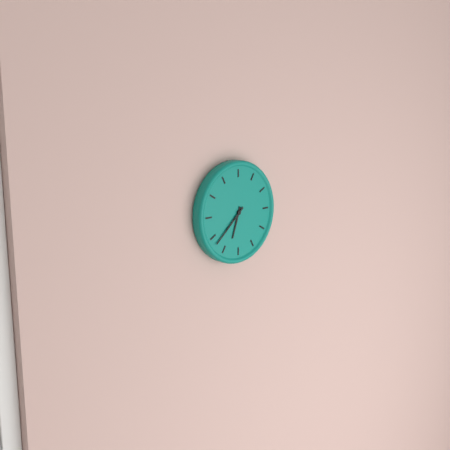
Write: h=6 m=38
